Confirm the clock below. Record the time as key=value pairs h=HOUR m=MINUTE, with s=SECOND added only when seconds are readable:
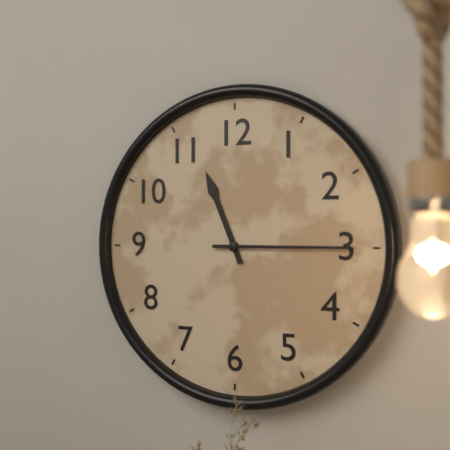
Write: h=11 m=15
